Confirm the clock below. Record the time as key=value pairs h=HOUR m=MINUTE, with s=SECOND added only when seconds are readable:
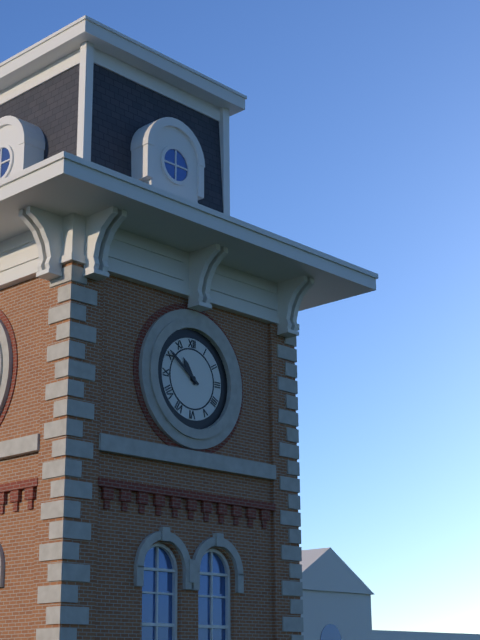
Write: h=10 m=51
